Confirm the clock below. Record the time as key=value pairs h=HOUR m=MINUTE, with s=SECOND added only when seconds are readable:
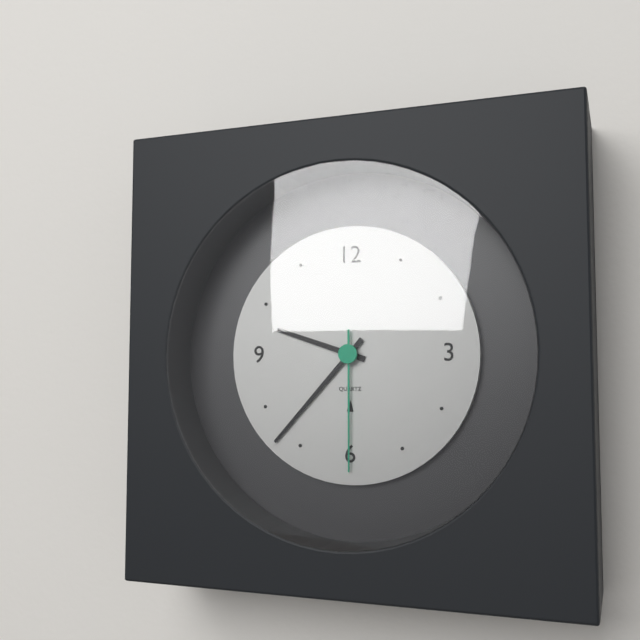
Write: h=9 m=37 s=30
